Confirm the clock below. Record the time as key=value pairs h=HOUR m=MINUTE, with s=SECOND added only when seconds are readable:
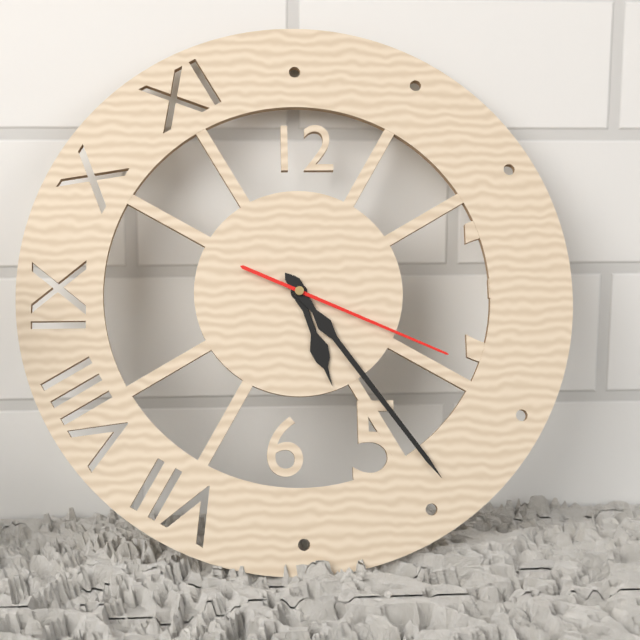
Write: h=5 m=24 s=19
